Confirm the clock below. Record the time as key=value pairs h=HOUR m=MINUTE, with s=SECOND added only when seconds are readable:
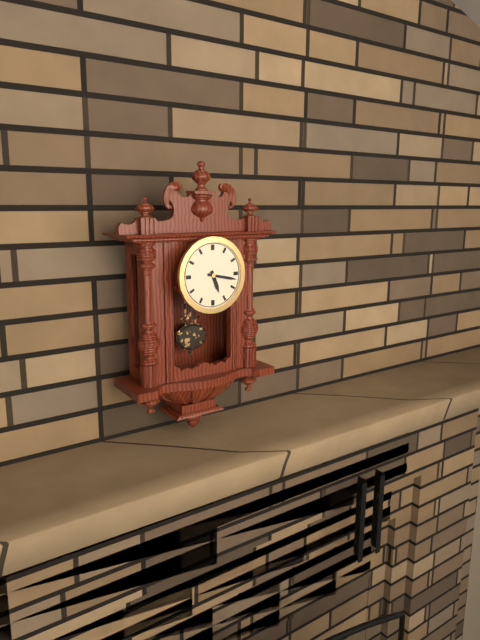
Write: h=5 m=17
